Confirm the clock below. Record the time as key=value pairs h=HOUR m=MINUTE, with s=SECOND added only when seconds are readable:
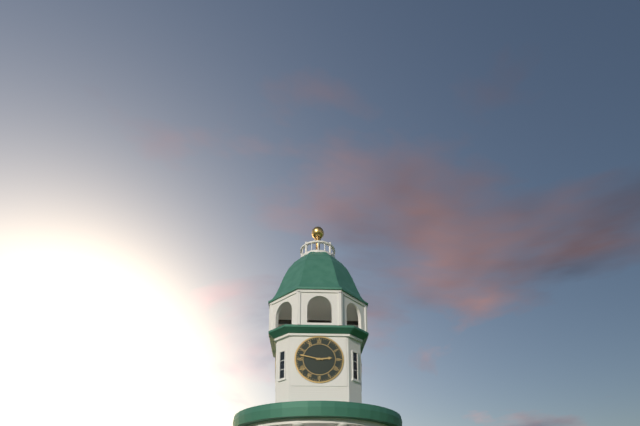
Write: h=2 m=47
